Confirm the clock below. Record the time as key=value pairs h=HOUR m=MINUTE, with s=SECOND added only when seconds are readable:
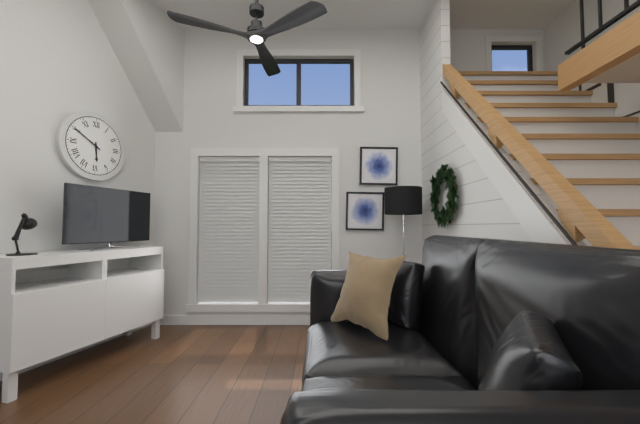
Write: h=5 m=50
